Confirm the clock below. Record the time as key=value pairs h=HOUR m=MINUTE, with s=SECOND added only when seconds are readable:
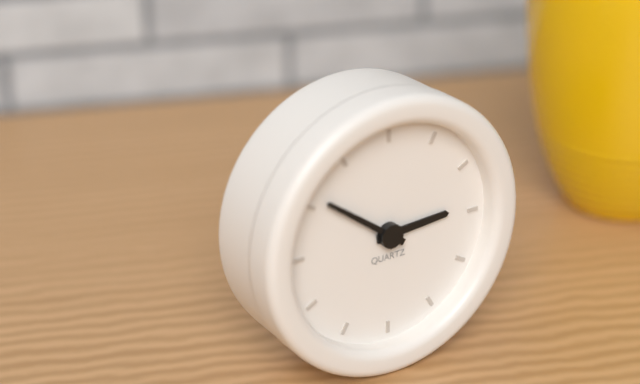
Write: h=2 m=51
